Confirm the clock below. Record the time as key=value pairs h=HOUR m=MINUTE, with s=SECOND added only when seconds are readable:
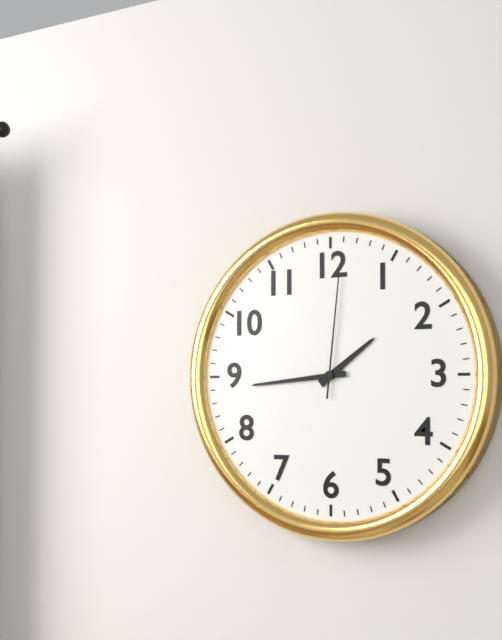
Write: h=1 m=44 s=1
